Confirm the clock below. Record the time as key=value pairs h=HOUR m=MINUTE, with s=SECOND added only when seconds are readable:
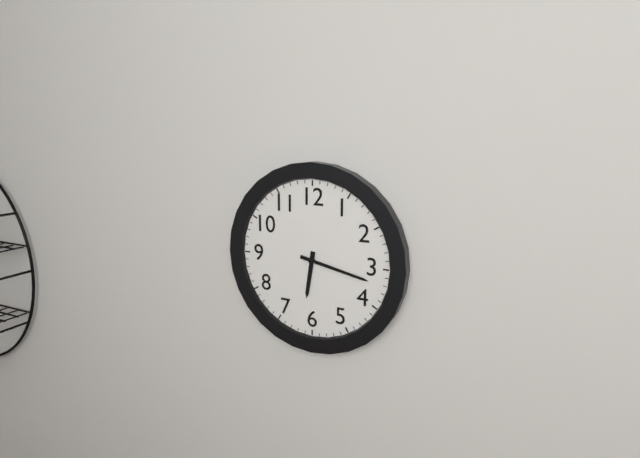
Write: h=6 m=17
